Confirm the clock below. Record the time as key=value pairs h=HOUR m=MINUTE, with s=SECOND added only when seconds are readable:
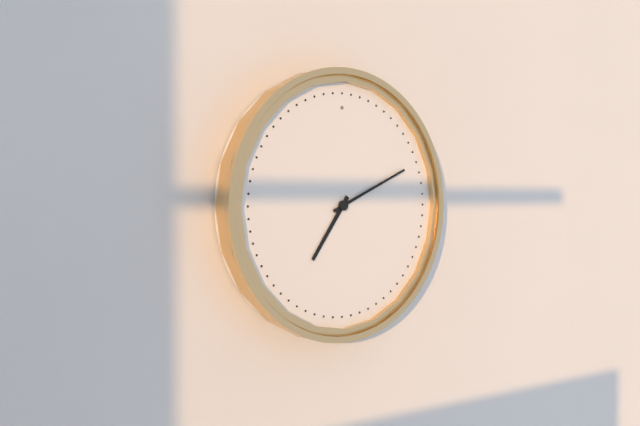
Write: h=7 m=11
